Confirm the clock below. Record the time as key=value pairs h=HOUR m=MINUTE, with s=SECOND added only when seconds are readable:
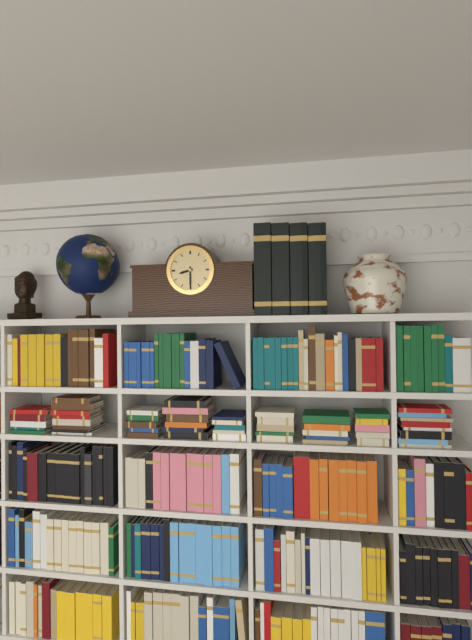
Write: h=8 m=30
